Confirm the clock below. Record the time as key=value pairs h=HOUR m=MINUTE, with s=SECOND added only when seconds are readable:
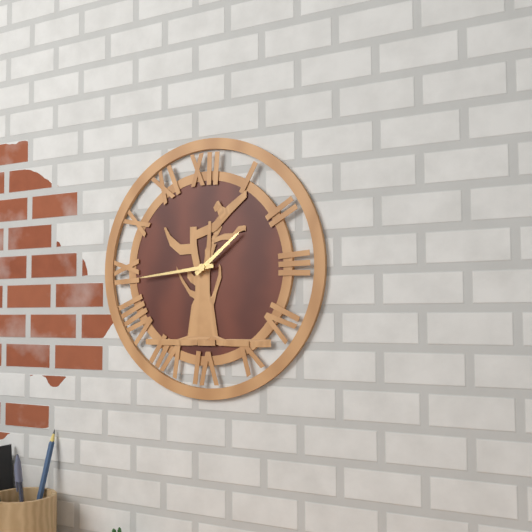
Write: h=1 m=44
